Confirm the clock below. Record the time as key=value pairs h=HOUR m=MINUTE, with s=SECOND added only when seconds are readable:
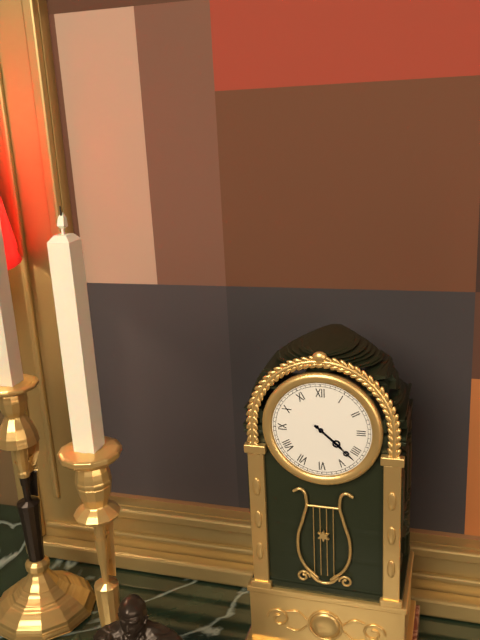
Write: h=4 m=22
